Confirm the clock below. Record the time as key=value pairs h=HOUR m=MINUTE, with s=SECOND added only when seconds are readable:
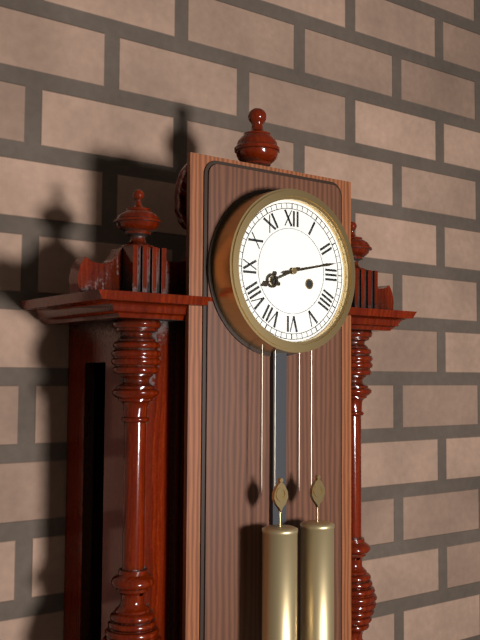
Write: h=8 m=13
